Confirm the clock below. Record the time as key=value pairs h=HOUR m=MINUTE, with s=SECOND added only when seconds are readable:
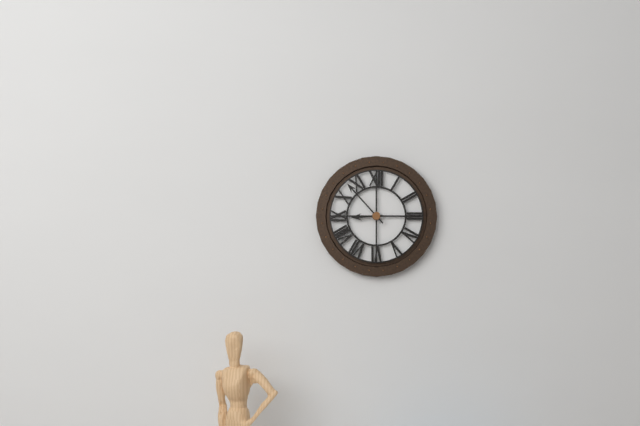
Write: h=8 m=53
